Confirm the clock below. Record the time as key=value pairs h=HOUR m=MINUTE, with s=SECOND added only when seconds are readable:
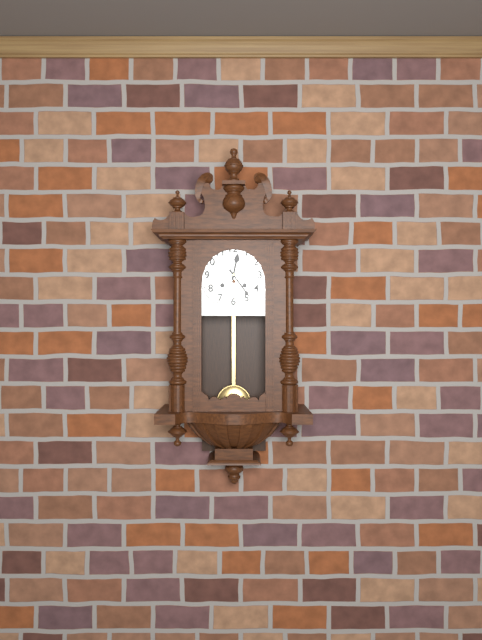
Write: h=12 m=24
